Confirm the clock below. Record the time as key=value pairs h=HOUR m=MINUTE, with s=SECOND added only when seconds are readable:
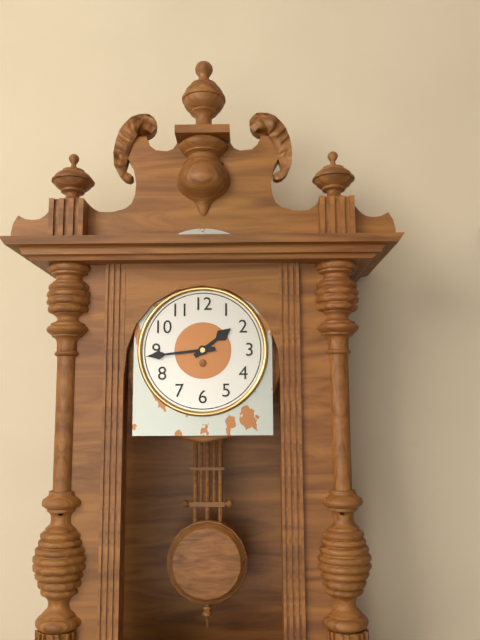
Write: h=1 m=44
